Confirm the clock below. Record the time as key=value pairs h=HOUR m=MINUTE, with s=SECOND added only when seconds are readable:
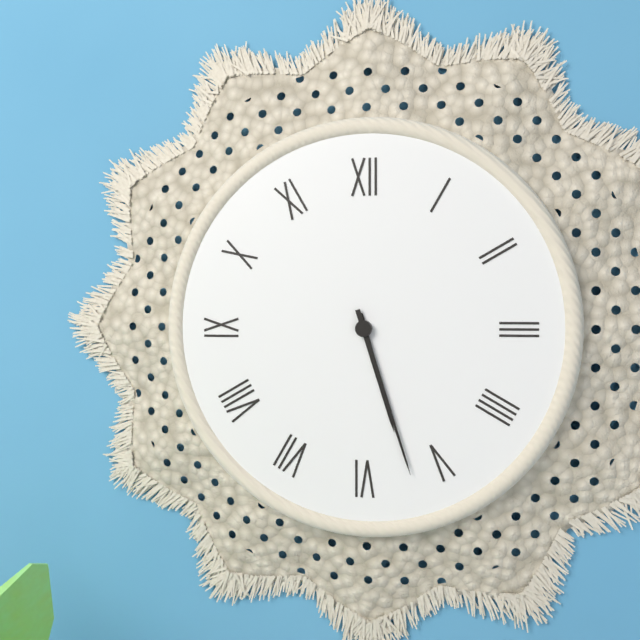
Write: h=5 m=27
